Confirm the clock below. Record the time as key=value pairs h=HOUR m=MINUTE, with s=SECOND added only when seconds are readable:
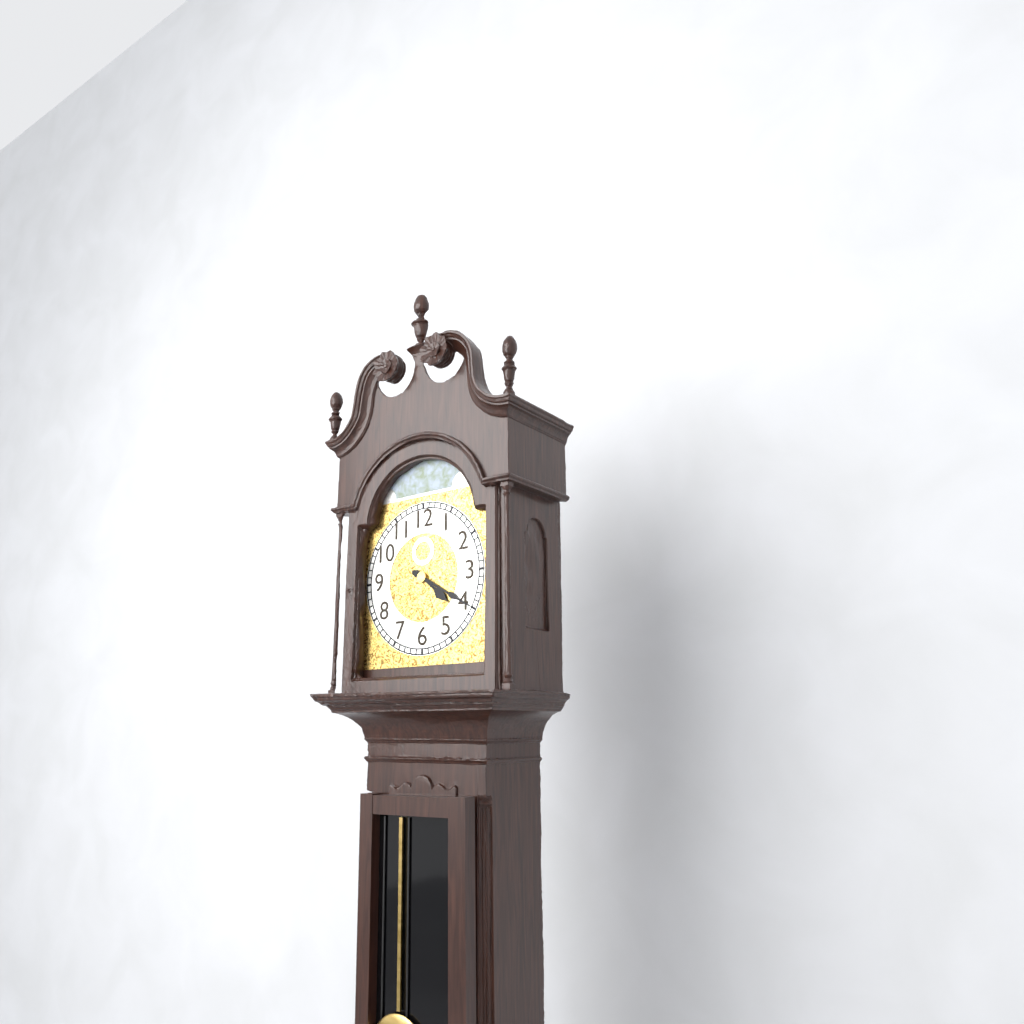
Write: h=4 m=20
